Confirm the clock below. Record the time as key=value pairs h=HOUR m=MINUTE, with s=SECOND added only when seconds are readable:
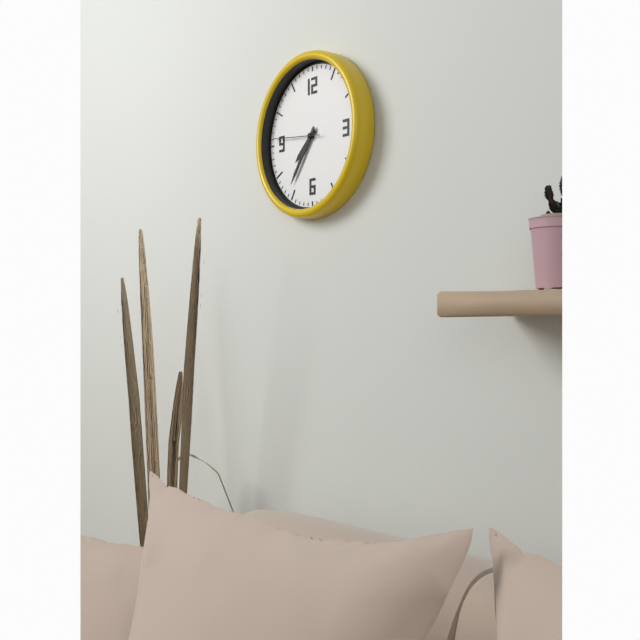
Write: h=7 m=36
